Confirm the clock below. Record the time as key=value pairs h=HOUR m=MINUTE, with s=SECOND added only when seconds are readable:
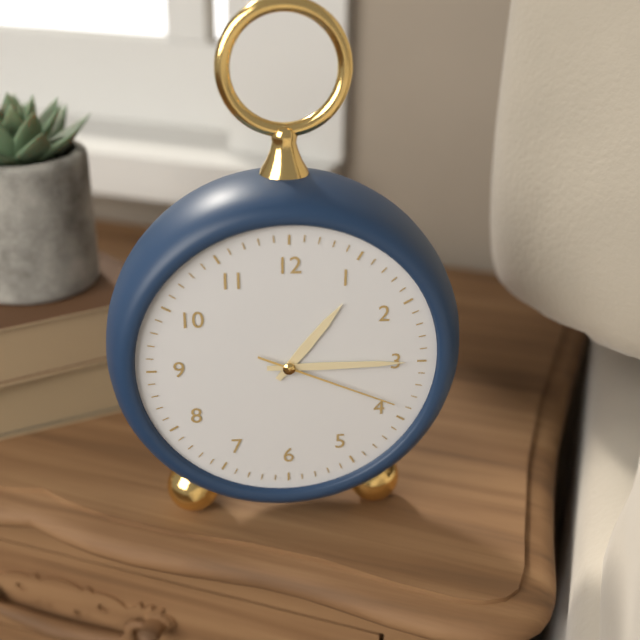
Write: h=1 m=15 s=19
